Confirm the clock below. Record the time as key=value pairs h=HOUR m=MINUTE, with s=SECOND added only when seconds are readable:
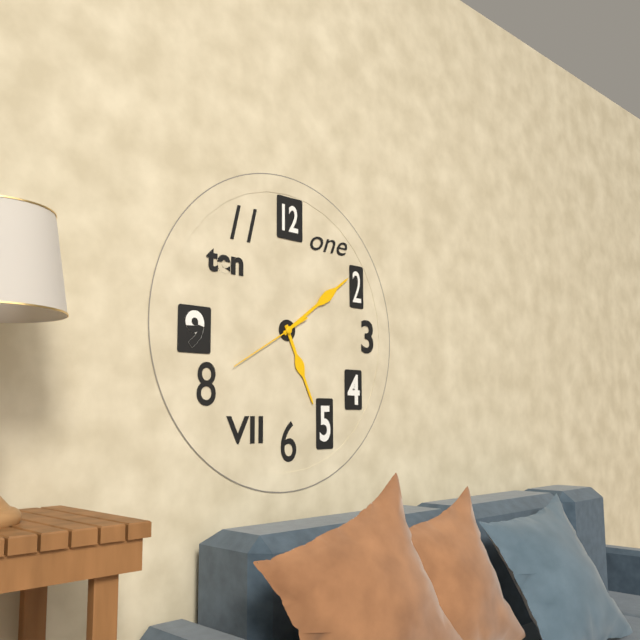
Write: h=5 m=9 s=40
